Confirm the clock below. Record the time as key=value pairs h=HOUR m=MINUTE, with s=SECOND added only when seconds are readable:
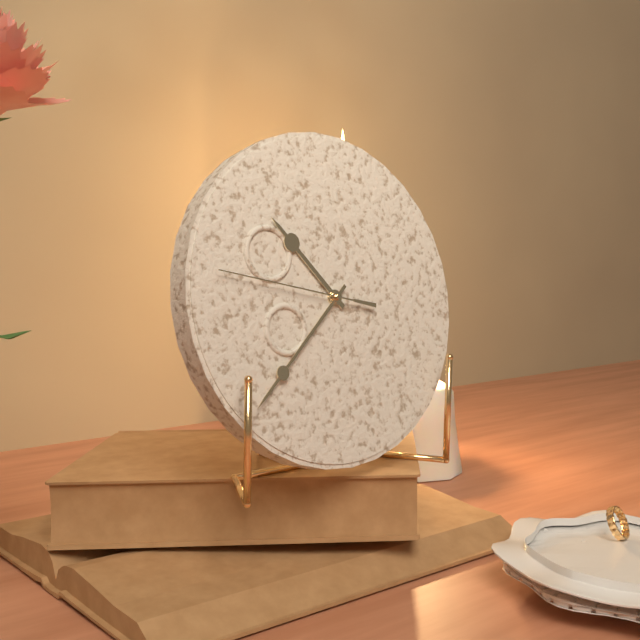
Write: h=10 m=38 s=47
